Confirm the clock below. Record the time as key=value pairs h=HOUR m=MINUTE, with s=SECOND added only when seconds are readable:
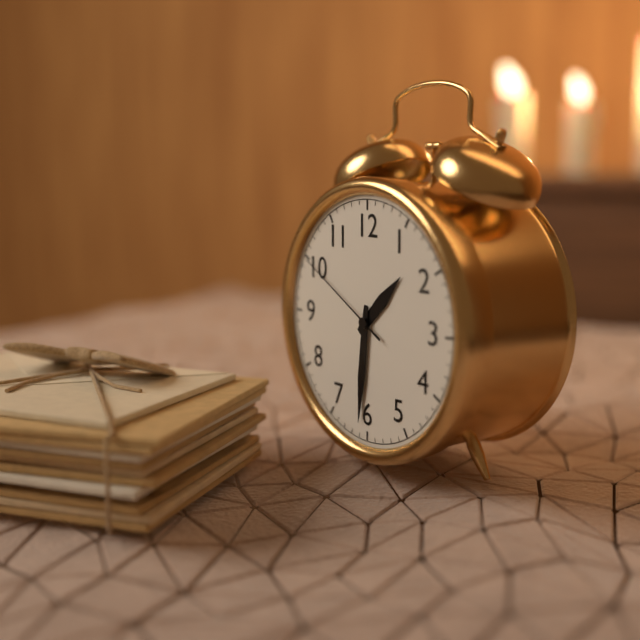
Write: h=1 m=31 s=50
